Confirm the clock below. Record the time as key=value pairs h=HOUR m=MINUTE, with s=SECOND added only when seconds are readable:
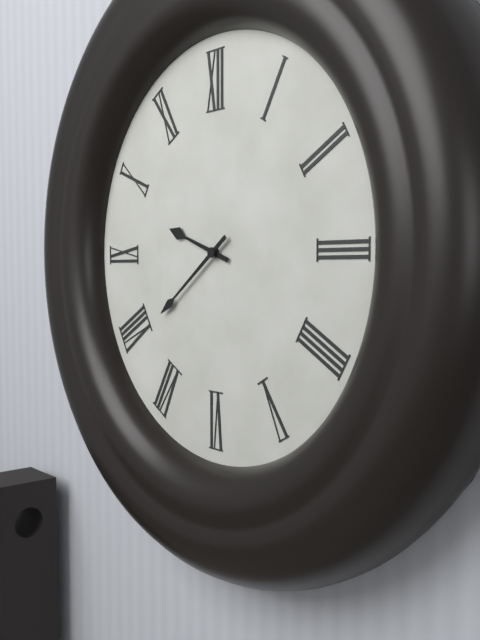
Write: h=9 m=39
